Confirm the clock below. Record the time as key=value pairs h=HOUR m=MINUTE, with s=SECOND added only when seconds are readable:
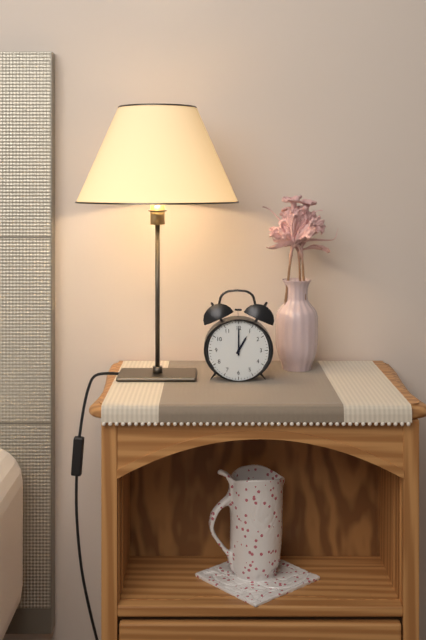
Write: h=1 m=0
